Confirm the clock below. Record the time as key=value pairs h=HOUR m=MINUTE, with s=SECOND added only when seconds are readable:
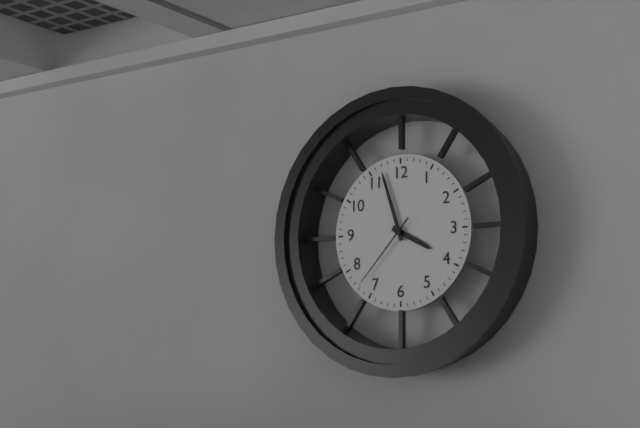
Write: h=3 m=57 s=37
